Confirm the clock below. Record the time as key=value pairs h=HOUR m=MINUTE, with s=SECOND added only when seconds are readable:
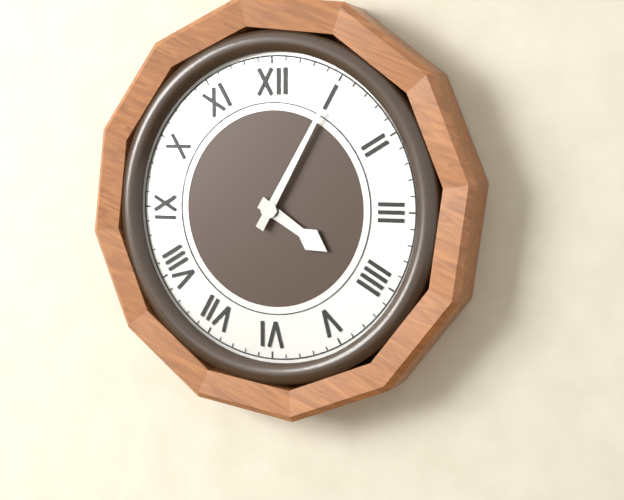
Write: h=4 m=5
